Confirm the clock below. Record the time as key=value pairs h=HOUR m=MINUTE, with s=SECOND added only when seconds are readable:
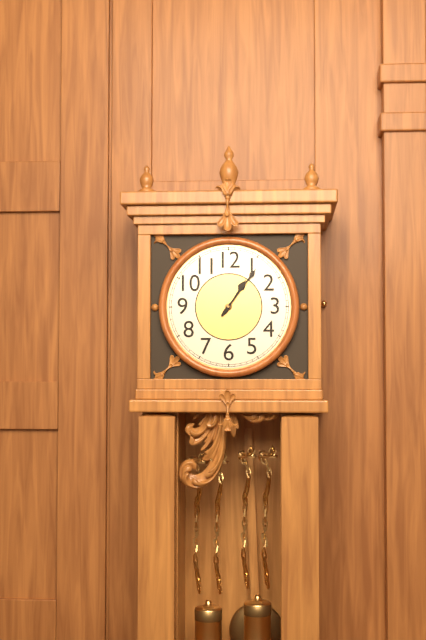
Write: h=1 m=6
